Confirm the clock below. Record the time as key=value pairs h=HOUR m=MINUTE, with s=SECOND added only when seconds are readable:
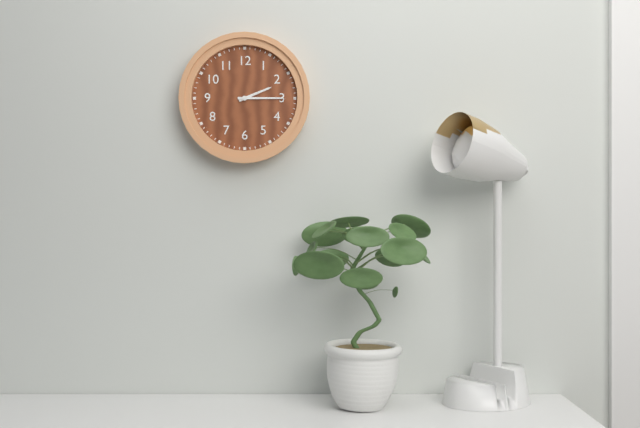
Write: h=2 m=15
